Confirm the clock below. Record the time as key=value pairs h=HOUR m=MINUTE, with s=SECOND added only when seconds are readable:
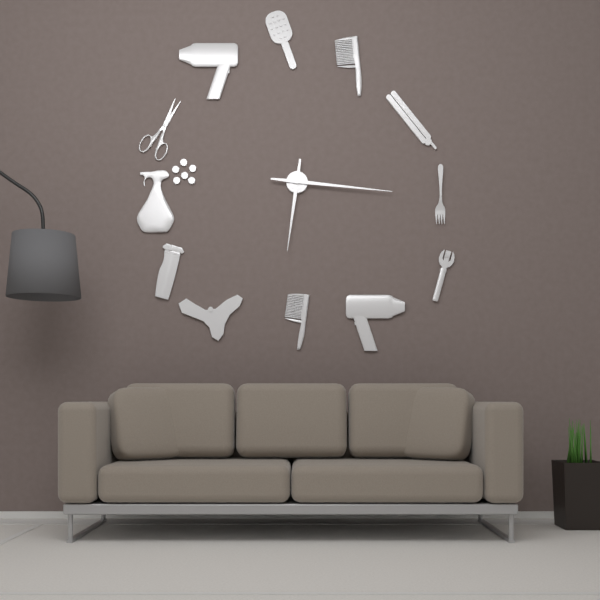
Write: h=6 m=16
